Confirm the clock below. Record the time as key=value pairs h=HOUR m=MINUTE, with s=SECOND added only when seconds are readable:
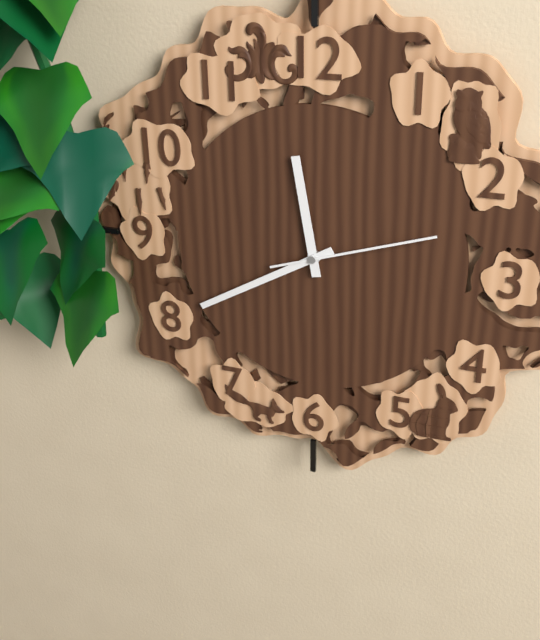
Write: h=11 m=40 s=12
